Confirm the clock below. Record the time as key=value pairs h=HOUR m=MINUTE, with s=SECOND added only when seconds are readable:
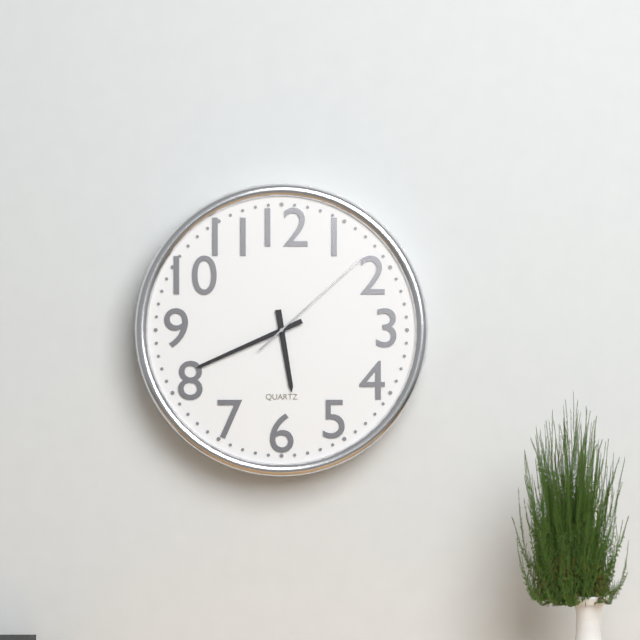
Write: h=5 m=41 s=8
